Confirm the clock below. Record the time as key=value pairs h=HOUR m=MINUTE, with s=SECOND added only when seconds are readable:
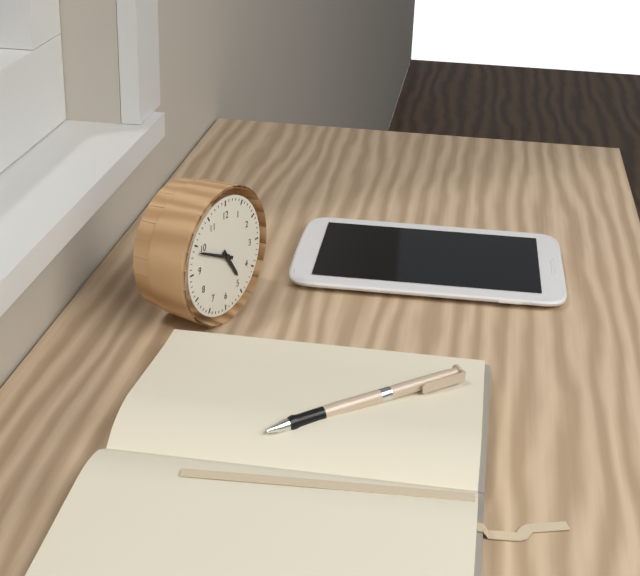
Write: h=4 m=49
